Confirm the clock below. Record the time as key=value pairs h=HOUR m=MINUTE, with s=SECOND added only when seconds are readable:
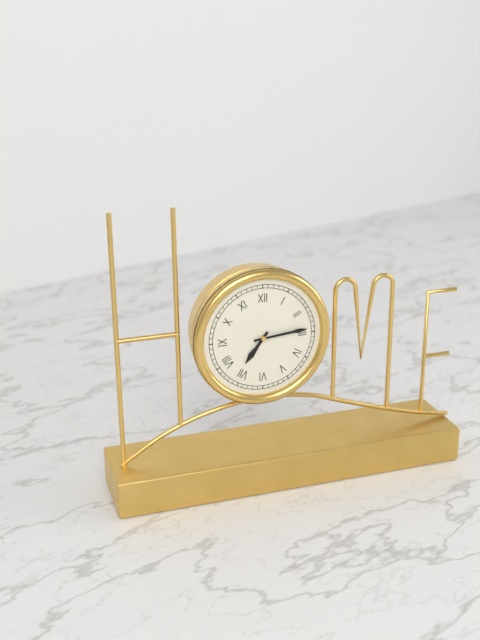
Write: h=7 m=14
